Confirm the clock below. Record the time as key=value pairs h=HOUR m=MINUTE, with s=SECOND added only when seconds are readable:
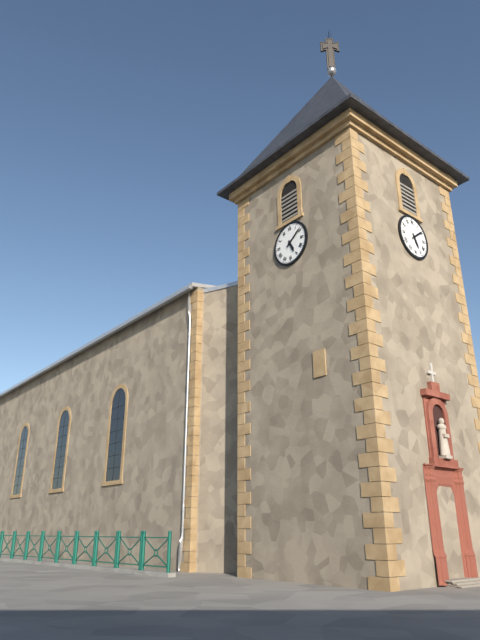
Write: h=5 m=9
